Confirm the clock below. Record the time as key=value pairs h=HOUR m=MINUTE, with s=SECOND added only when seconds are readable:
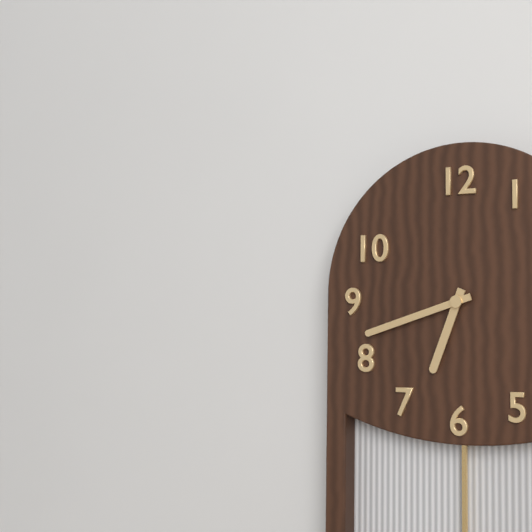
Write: h=6 m=42
